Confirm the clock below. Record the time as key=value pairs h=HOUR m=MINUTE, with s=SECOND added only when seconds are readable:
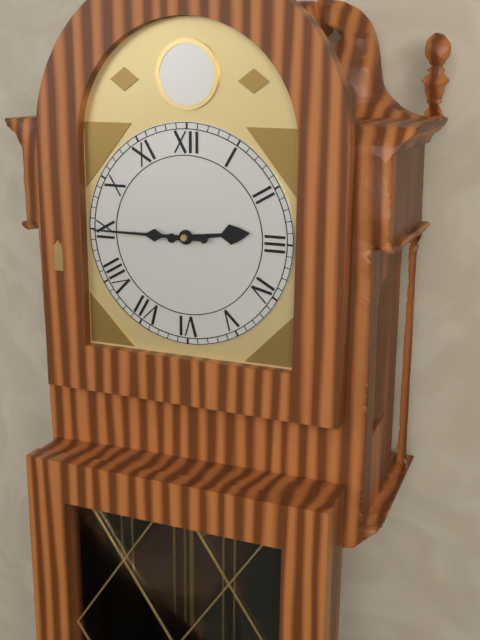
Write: h=2 m=45
